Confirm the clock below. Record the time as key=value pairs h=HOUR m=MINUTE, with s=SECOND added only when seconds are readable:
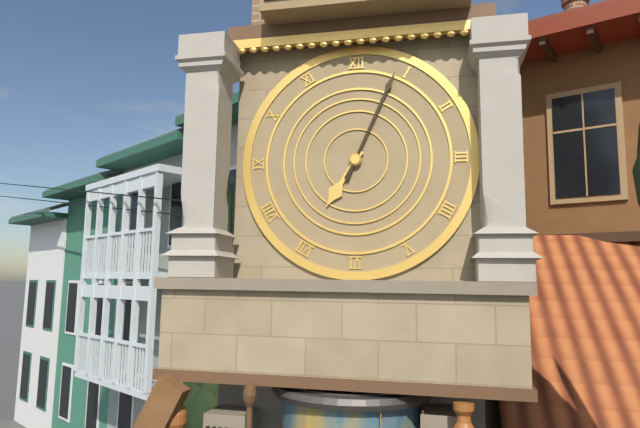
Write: h=7 m=4
